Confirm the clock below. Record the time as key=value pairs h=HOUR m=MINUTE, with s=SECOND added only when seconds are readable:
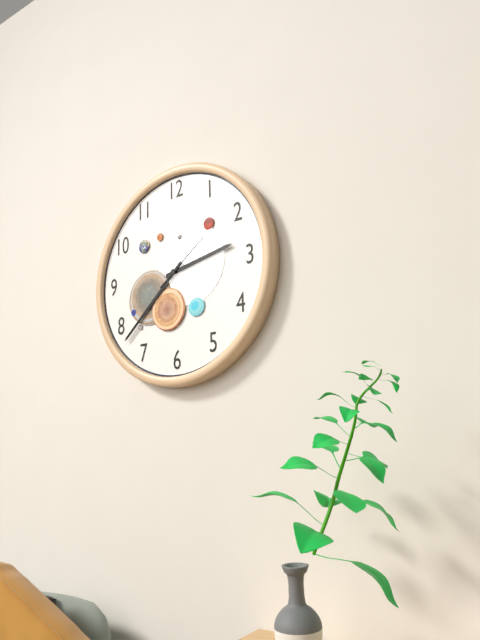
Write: h=2 m=38 s=9
